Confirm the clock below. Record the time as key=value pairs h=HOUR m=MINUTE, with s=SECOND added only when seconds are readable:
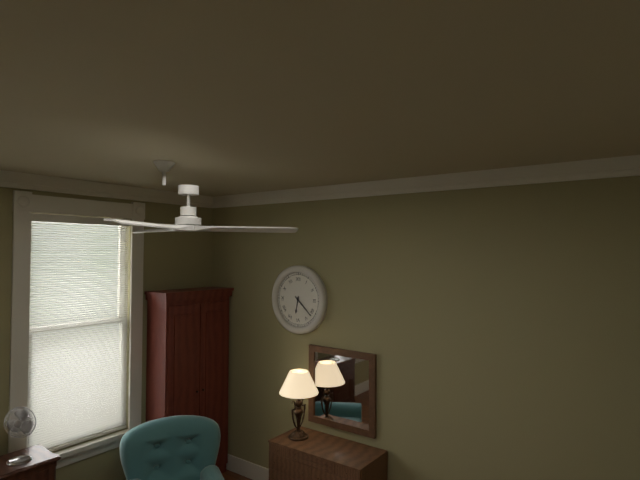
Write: h=6 m=22
